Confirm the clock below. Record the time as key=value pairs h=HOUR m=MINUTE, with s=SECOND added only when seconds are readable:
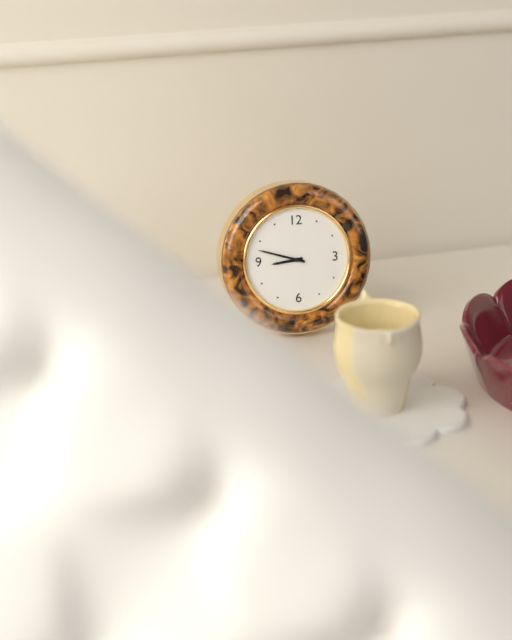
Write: h=8 m=48
